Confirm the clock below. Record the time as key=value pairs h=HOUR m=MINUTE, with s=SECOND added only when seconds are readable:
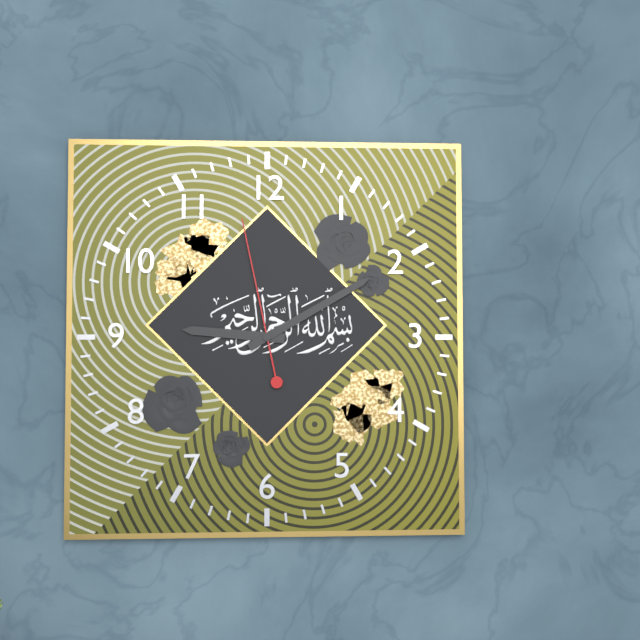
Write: h=9 m=10 s=58
